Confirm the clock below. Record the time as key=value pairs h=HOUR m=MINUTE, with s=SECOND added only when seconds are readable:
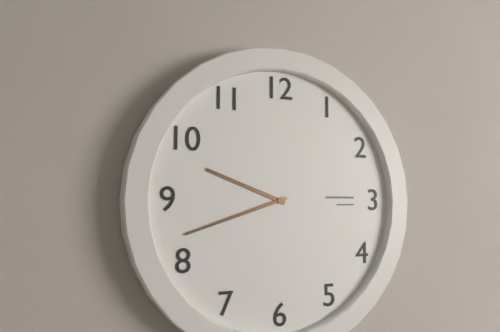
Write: h=9 m=42
